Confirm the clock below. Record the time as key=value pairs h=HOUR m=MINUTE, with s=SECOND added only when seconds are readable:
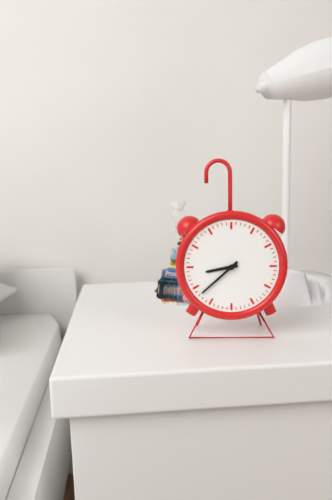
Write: h=8 m=38
